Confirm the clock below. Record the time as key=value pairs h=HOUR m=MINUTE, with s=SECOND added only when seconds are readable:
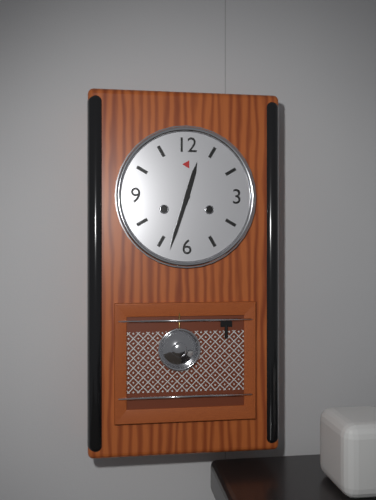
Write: h=12 m=33
